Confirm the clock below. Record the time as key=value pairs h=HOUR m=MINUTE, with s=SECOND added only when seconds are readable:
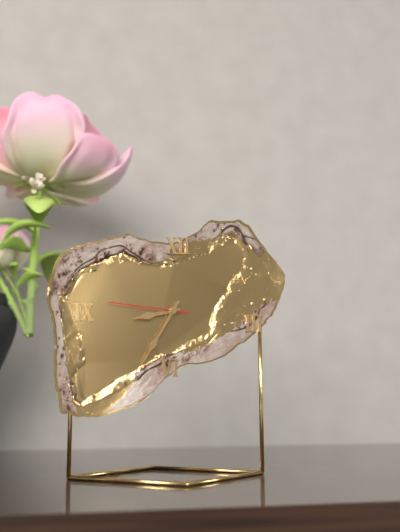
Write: h=8 m=35 s=46
